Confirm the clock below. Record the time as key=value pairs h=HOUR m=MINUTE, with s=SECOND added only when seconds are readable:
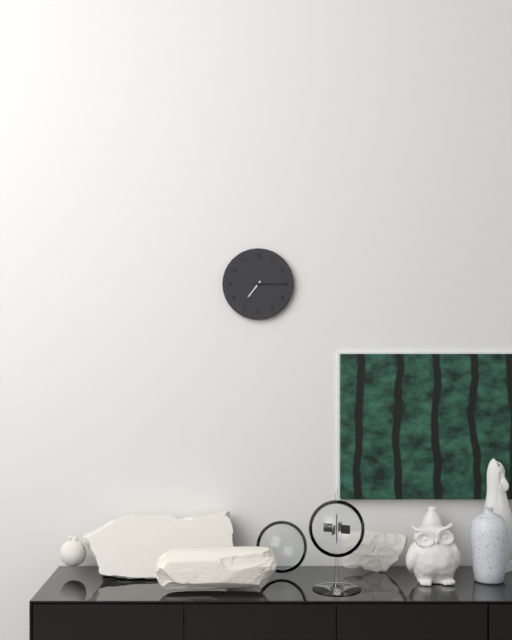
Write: h=7 m=15
